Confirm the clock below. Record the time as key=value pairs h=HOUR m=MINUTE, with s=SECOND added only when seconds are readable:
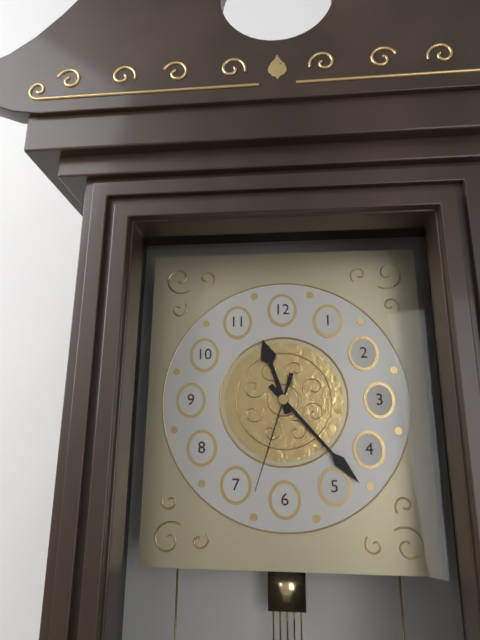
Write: h=11 m=23 s=33
